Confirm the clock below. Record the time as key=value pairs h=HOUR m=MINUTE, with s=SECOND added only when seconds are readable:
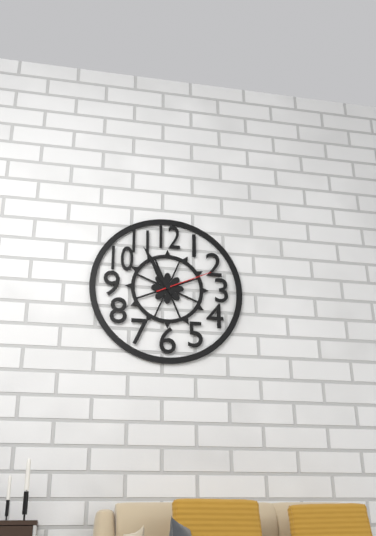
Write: h=10 m=55 s=11
